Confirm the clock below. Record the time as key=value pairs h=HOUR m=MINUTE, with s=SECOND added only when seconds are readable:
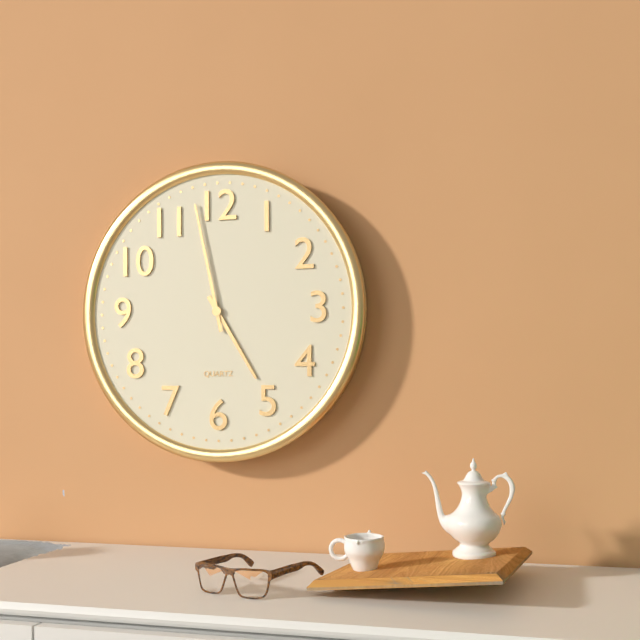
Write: h=4 m=58
